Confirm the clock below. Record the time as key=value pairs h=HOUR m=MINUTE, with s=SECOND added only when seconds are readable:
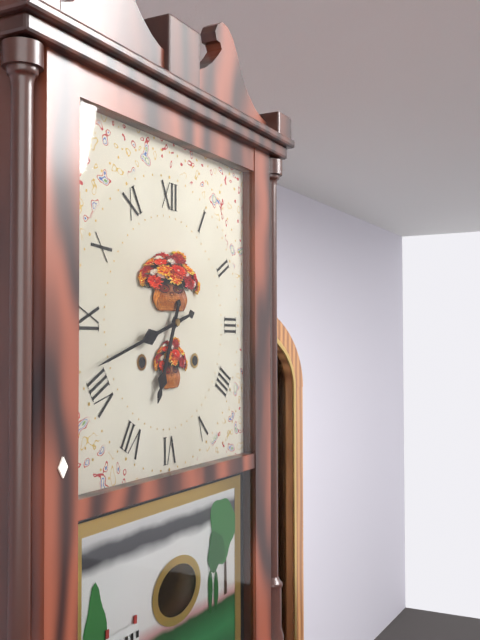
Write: h=6 m=42
